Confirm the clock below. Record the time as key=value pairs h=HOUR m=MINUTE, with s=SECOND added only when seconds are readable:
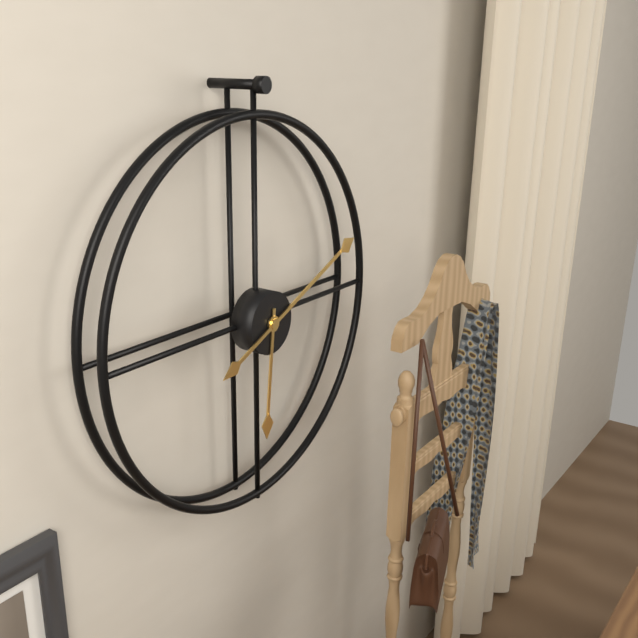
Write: h=6 m=11
